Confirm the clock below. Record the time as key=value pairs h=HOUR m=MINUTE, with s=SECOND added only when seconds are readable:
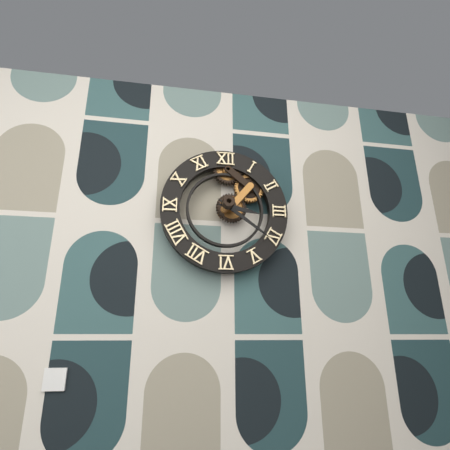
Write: h=3 m=21
